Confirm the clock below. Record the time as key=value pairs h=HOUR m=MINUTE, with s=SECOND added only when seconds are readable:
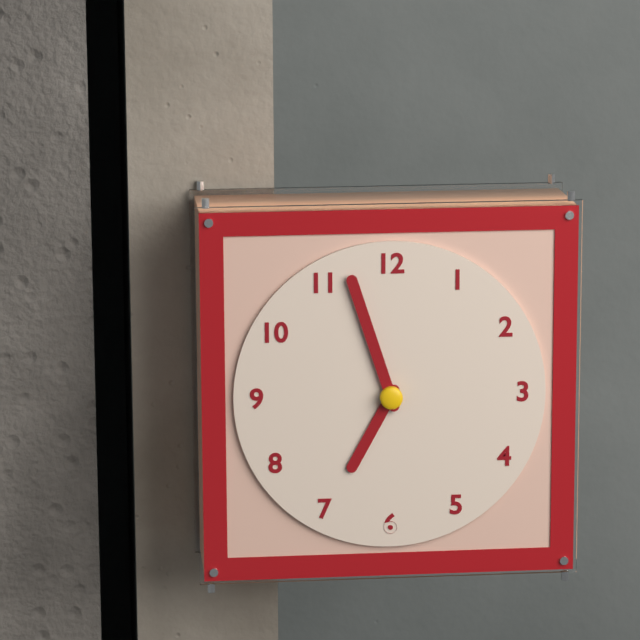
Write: h=6 m=57
